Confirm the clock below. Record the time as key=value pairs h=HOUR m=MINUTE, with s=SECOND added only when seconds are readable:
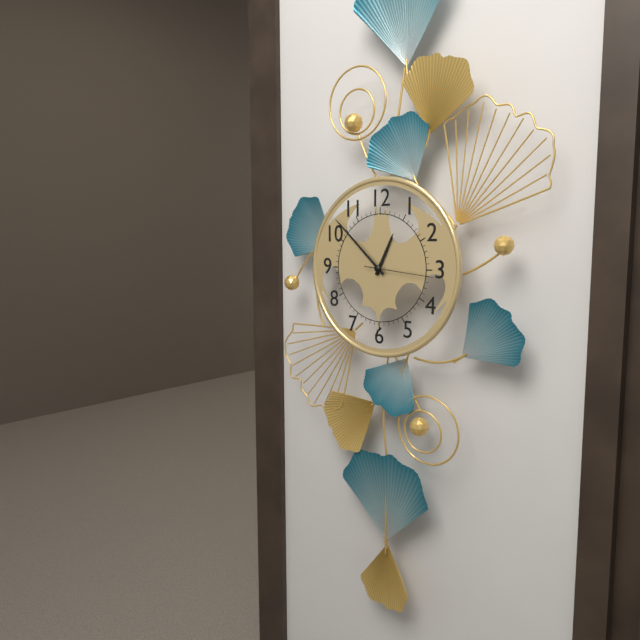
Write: h=12 m=52 s=16
